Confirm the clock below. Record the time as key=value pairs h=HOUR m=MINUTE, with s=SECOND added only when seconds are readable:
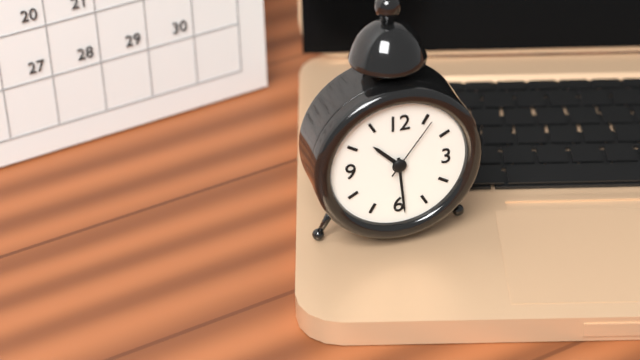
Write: h=10 m=29 s=6
